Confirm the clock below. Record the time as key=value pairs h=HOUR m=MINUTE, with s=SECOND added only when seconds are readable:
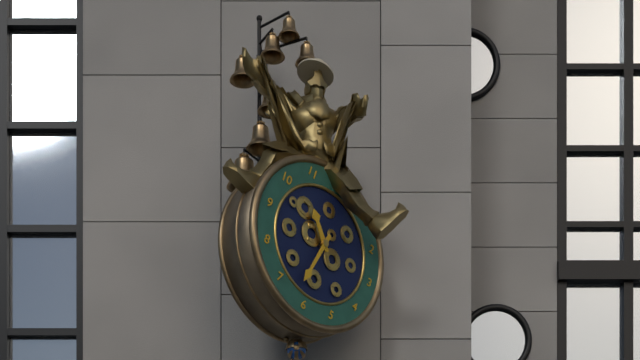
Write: h=10 m=32
